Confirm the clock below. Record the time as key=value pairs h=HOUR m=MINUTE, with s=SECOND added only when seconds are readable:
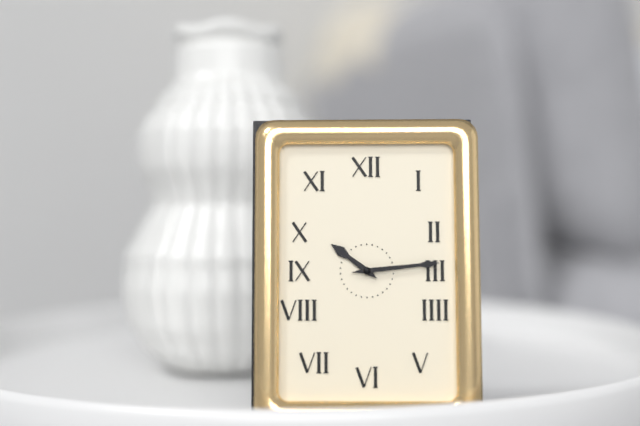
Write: h=10 m=14
